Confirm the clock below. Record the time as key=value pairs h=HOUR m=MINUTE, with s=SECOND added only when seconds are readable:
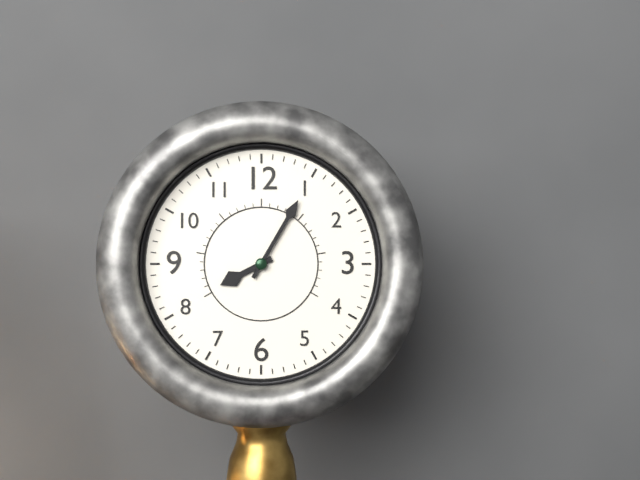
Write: h=8 m=5
